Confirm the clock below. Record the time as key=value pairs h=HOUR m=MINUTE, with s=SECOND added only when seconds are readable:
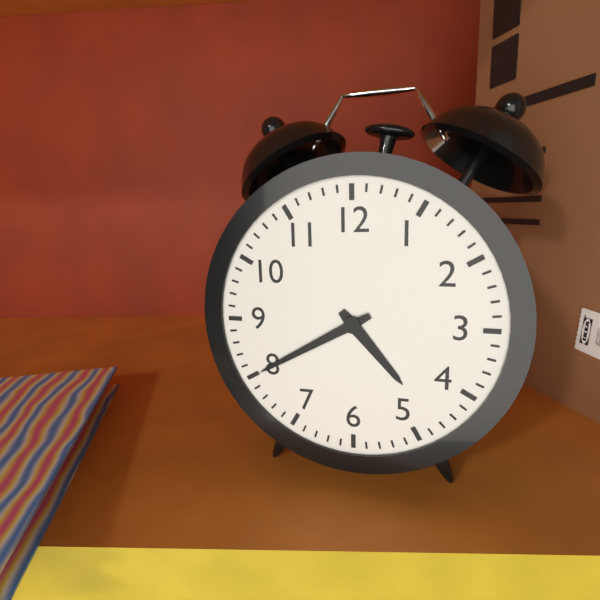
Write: h=4 m=40
